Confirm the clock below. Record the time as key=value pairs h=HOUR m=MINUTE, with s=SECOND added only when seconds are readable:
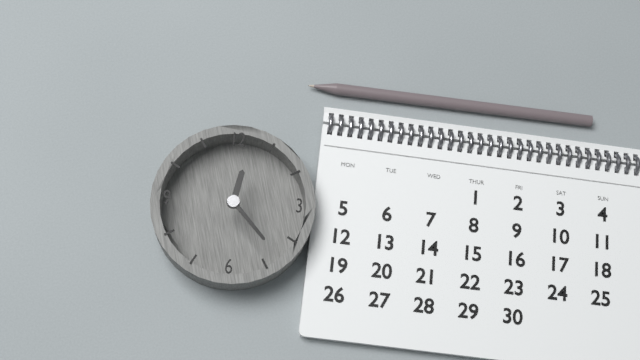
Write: h=12 m=23
